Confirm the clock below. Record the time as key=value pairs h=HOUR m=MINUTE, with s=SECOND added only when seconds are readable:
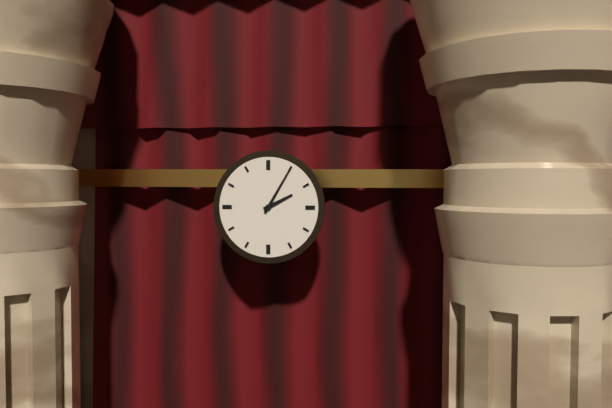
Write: h=2 m=5
